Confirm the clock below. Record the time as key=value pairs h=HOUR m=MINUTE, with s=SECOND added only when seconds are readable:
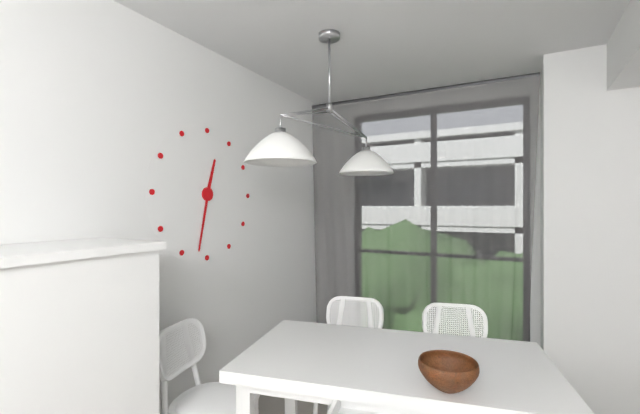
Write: h=12 m=32
